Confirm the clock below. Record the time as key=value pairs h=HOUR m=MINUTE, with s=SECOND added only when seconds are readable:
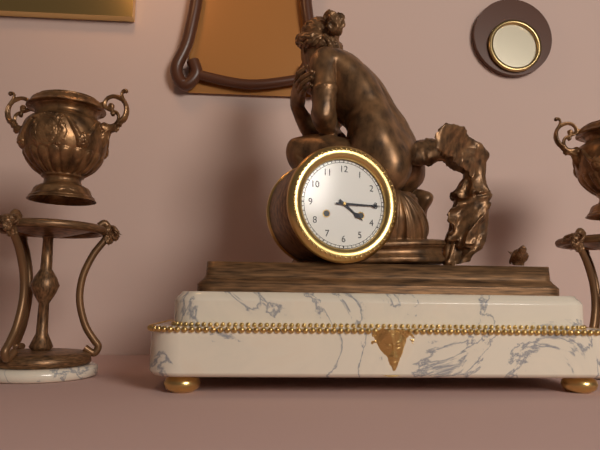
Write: h=4 m=15
